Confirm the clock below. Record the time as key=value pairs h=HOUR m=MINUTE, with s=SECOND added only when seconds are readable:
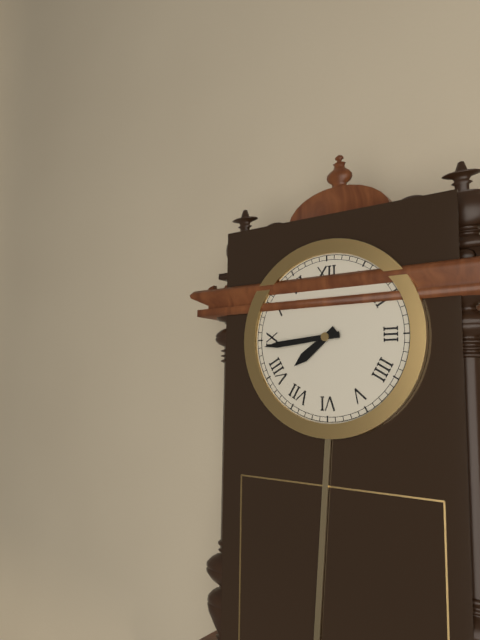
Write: h=7 m=44
